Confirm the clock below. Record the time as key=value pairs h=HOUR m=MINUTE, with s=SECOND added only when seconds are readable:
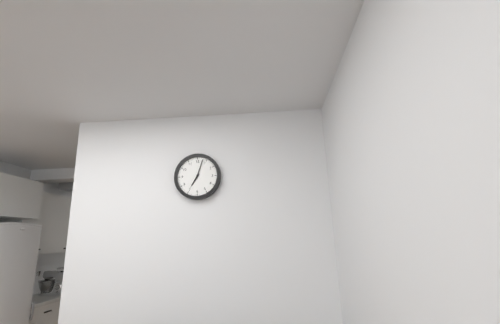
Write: h=7 m=3
